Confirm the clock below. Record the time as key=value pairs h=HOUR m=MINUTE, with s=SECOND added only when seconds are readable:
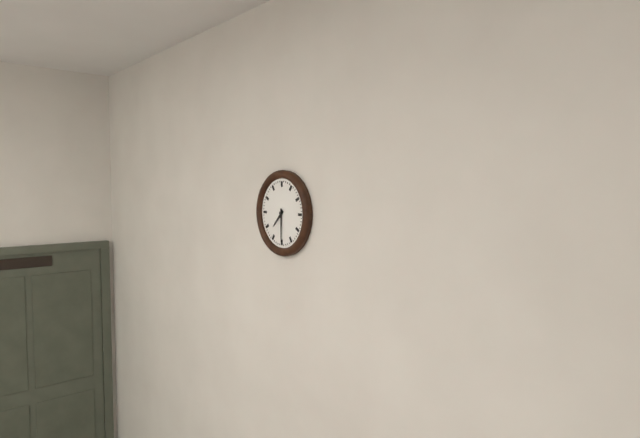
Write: h=7 m=30
